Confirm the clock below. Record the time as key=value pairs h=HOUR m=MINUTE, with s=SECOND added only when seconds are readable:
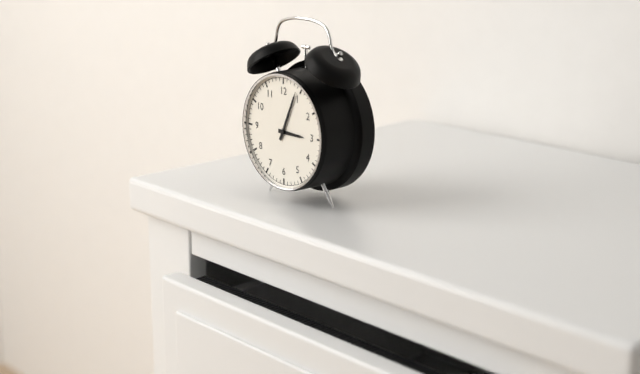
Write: h=3 m=4
